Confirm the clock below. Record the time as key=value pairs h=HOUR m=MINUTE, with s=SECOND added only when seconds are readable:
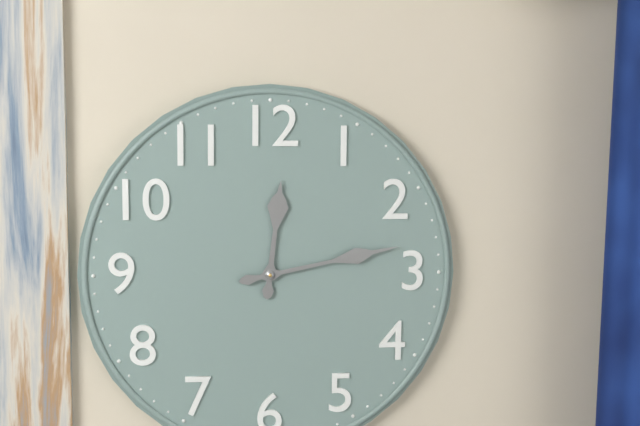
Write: h=12 m=13
